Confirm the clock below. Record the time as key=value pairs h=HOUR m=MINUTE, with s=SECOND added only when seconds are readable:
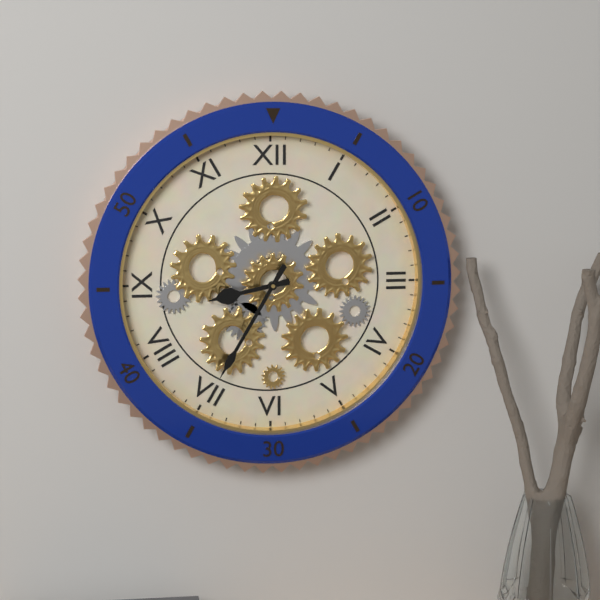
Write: h=8 m=35
